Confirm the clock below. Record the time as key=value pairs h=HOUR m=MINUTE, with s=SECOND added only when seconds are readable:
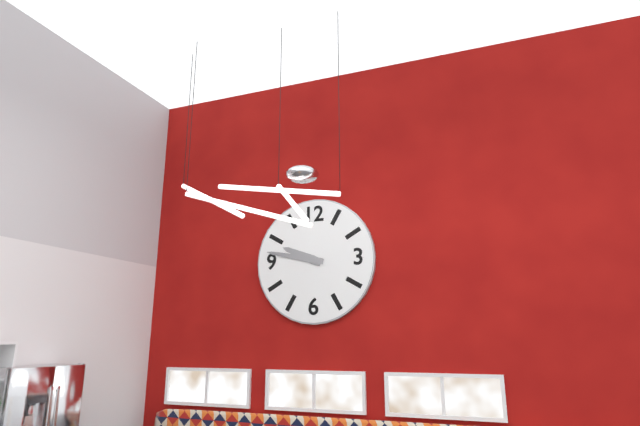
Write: h=9 m=47
